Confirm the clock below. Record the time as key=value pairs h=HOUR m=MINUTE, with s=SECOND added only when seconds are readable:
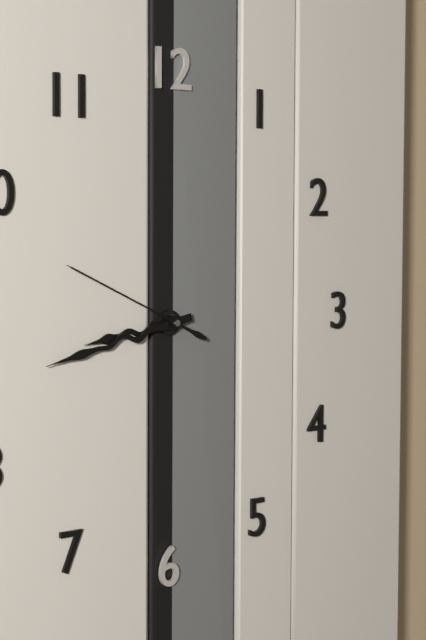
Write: h=8 m=43 s=49
